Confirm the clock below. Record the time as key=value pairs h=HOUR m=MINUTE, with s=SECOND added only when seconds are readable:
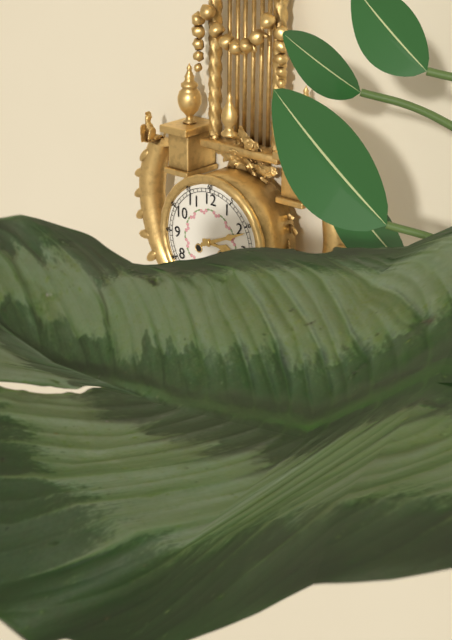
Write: h=3 m=11
